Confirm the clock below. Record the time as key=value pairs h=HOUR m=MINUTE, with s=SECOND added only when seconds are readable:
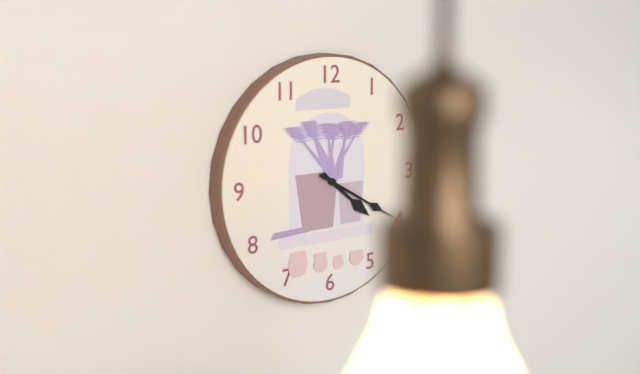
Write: h=4 m=20
